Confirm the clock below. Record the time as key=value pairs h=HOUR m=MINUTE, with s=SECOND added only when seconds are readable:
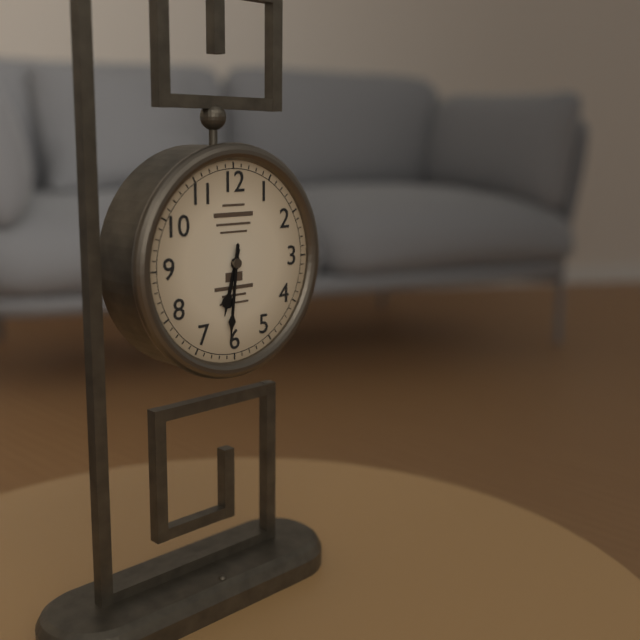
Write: h=6 m=31
